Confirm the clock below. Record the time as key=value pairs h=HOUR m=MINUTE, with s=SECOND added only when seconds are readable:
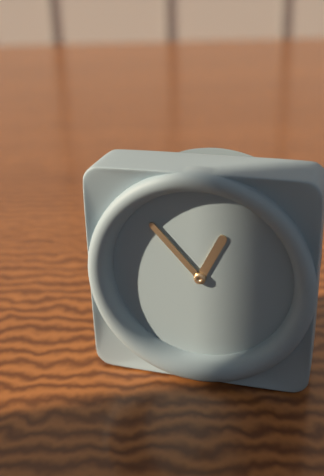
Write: h=12 m=53
